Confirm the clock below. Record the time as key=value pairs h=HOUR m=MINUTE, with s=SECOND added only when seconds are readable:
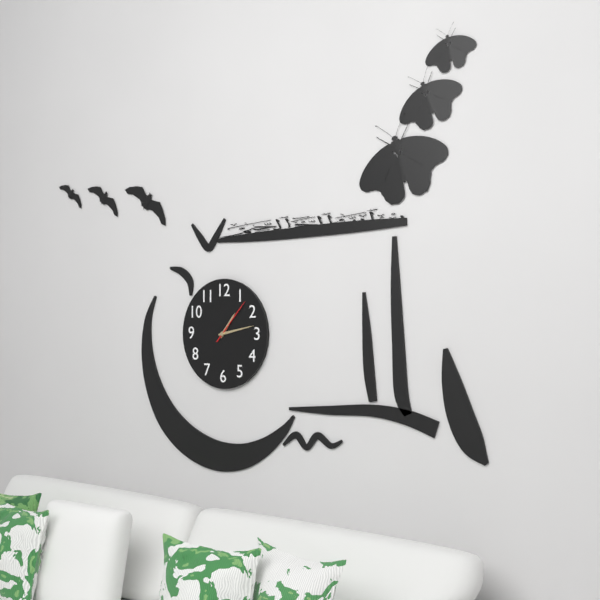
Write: h=1 m=13
